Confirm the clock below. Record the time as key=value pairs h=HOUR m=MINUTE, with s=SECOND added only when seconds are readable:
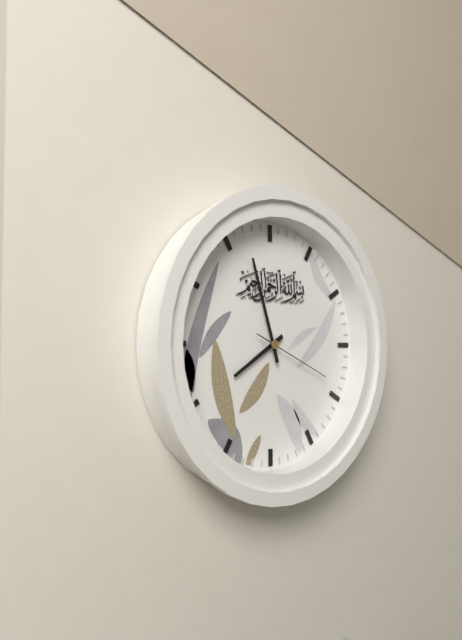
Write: h=7 m=57 s=19
